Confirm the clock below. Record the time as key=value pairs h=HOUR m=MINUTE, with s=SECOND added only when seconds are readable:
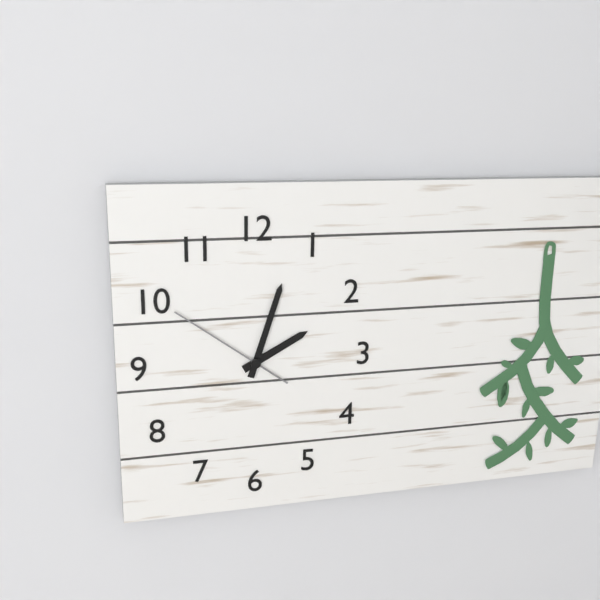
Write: h=2 m=3 s=51
